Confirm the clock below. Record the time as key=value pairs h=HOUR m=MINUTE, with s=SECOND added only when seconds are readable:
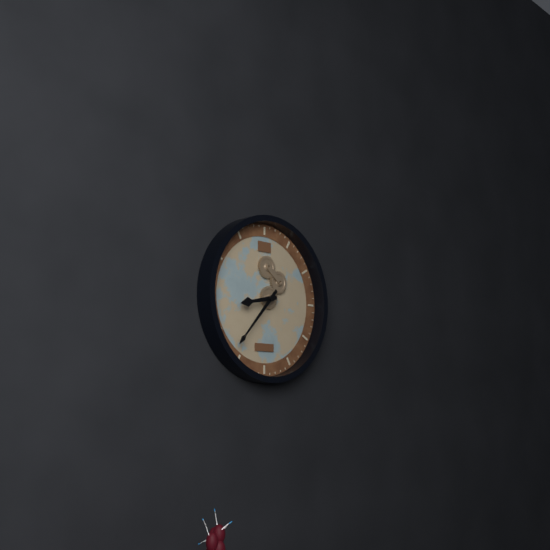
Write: h=8 m=37
